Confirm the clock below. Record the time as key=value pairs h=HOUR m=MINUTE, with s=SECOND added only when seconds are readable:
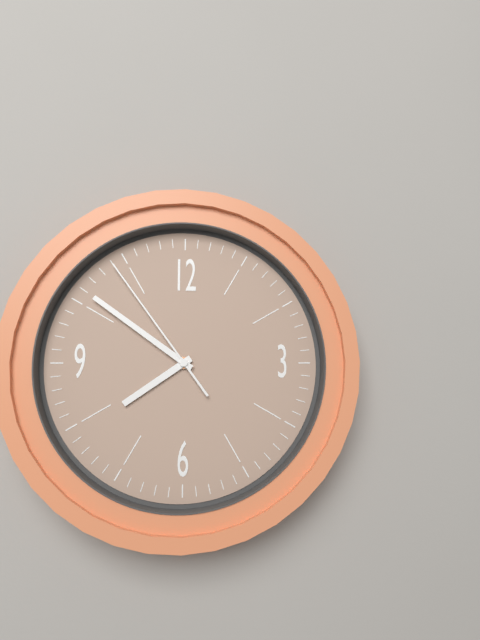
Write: h=7 m=51 s=54
